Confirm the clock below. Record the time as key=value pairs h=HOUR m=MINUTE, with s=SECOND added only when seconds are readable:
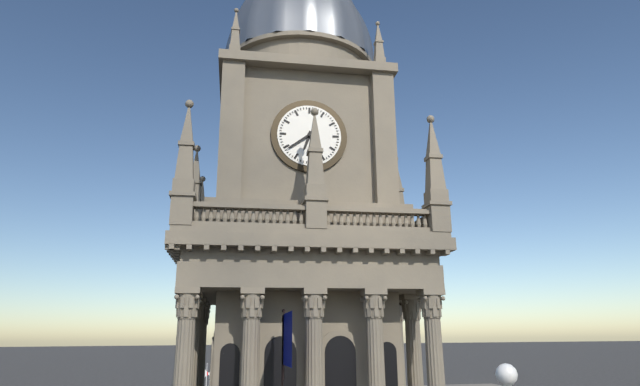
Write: h=6 m=39
